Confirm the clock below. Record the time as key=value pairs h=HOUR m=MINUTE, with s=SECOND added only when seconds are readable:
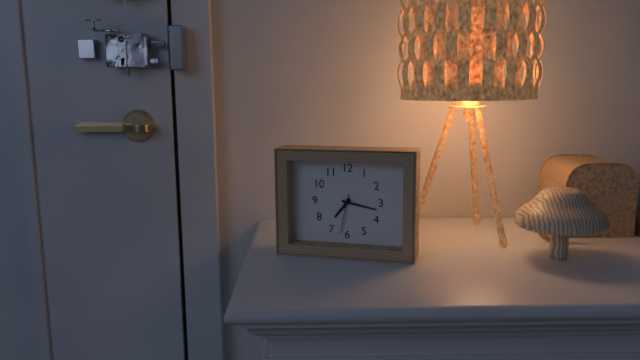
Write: h=7 m=17
